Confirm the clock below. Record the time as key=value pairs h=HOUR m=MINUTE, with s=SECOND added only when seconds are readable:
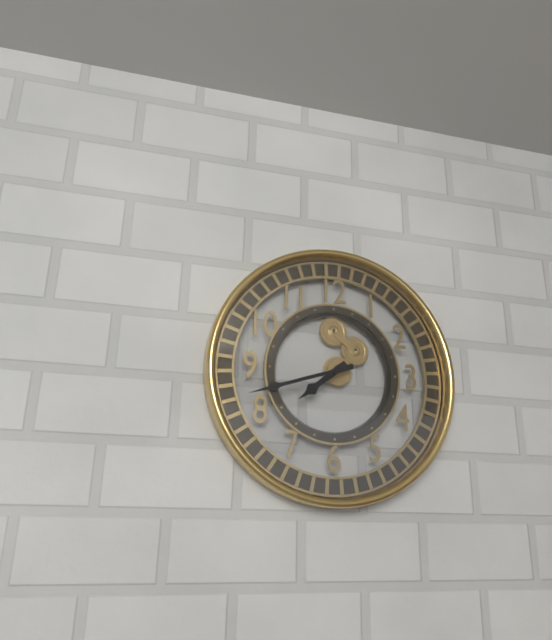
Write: h=7 m=42
